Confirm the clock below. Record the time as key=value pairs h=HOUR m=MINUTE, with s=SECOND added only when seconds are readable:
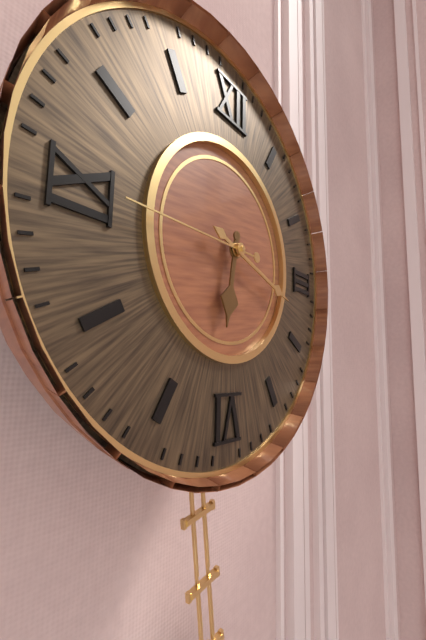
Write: h=6 m=18 s=45
